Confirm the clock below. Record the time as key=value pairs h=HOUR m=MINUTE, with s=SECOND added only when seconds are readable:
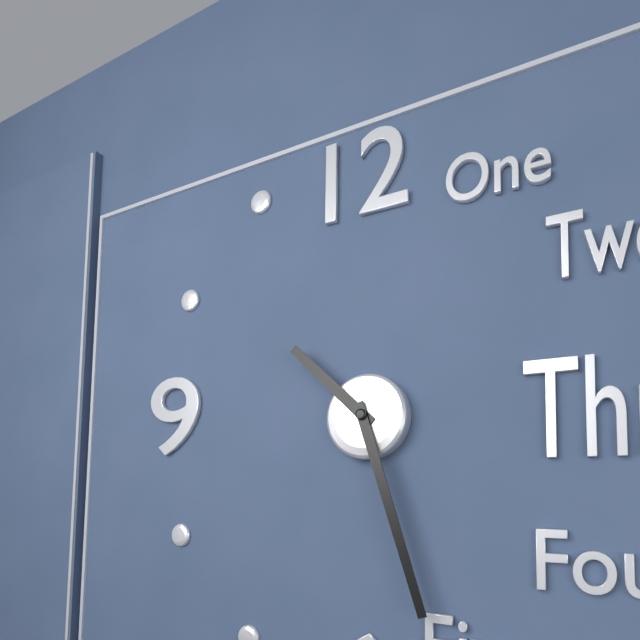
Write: h=10 m=27
